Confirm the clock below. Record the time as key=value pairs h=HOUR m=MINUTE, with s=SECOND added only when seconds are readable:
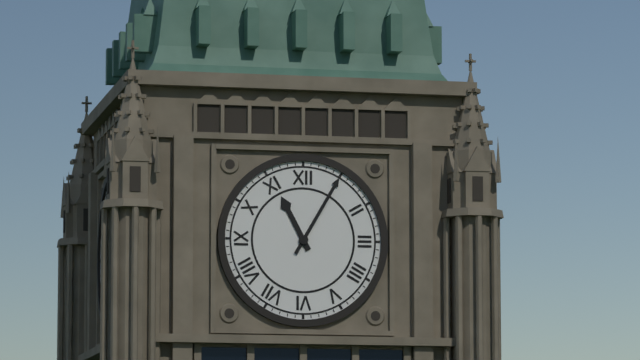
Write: h=11 m=5
